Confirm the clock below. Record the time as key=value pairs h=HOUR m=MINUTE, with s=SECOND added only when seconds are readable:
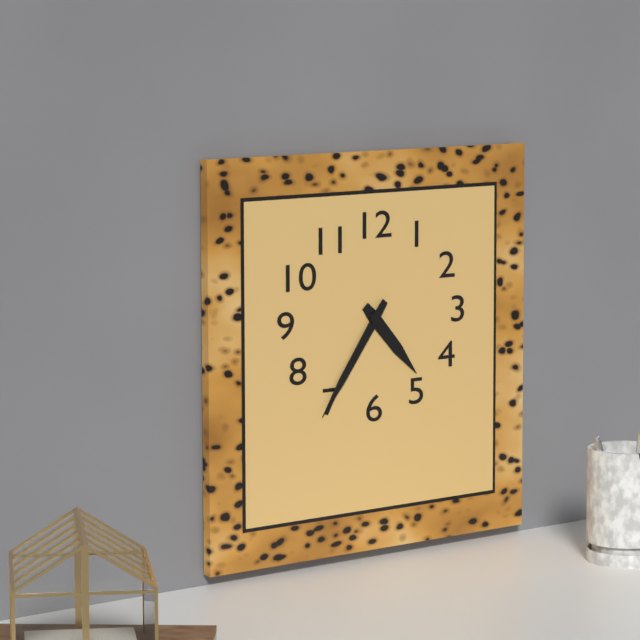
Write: h=4 m=36
